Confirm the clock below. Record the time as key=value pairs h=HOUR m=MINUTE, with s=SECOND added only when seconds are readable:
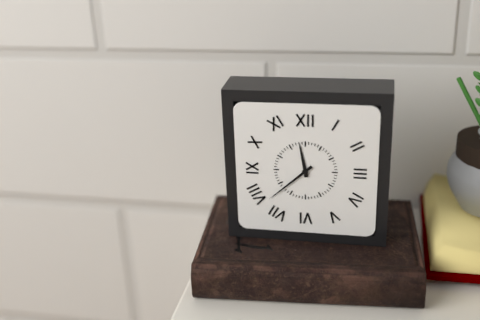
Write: h=11 m=38
